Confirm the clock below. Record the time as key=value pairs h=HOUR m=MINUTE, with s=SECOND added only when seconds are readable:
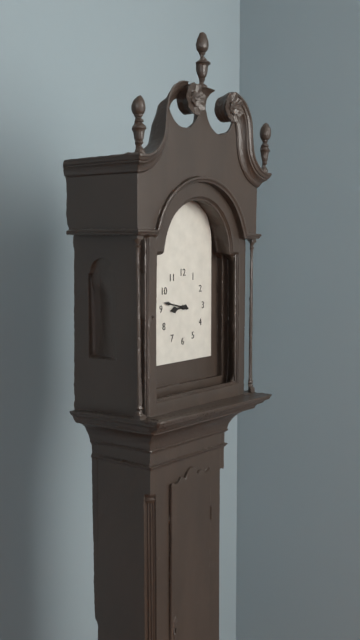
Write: h=8 m=47
